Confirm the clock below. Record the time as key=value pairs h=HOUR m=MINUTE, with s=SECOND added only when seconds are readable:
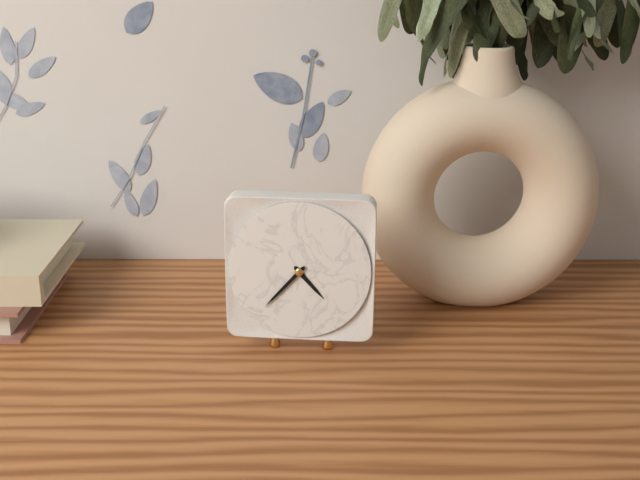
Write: h=4 m=37
